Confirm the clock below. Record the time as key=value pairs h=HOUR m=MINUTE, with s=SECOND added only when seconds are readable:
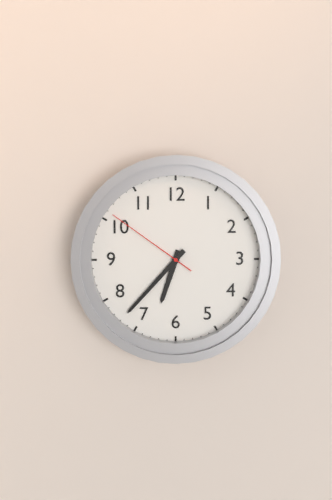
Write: h=6 m=37 s=51
